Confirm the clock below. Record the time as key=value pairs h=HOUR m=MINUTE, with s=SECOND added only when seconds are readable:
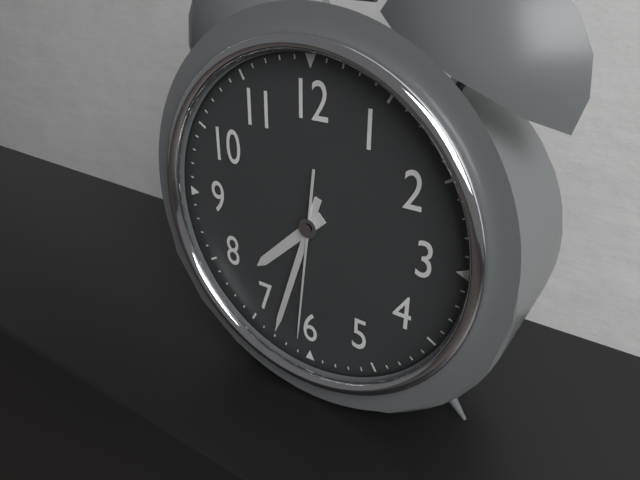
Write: h=7 m=33 s=31
